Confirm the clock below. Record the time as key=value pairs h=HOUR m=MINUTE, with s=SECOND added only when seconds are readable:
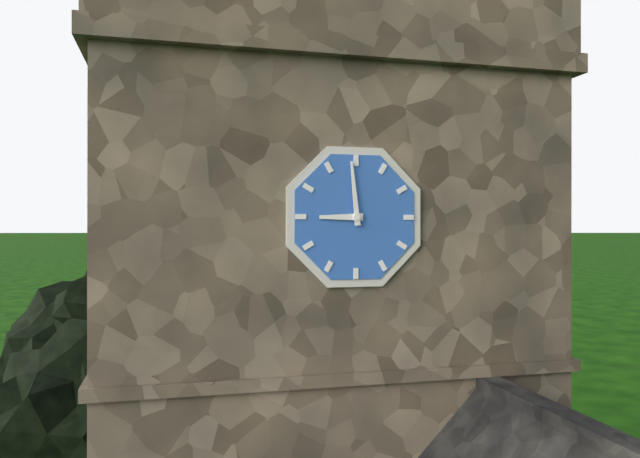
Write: h=8 m=59
